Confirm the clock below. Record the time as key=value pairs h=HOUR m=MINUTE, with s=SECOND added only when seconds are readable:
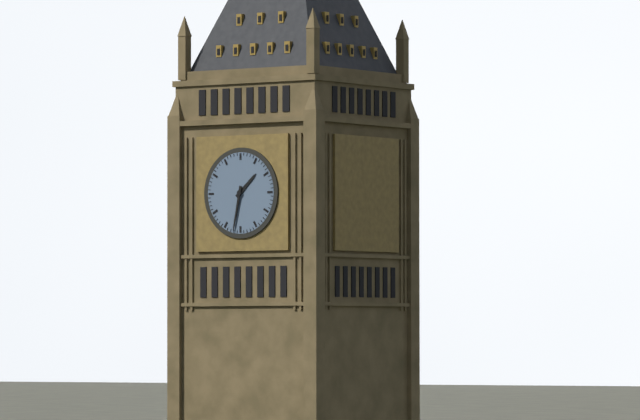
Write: h=1 m=32
